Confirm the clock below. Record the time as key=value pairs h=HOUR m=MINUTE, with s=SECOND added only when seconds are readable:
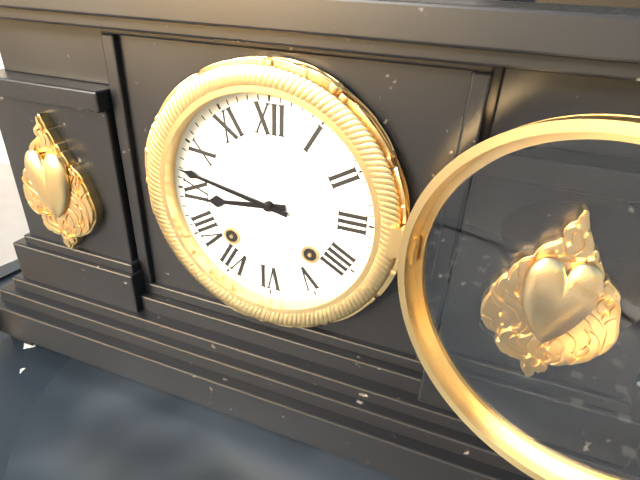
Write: h=8 m=47
